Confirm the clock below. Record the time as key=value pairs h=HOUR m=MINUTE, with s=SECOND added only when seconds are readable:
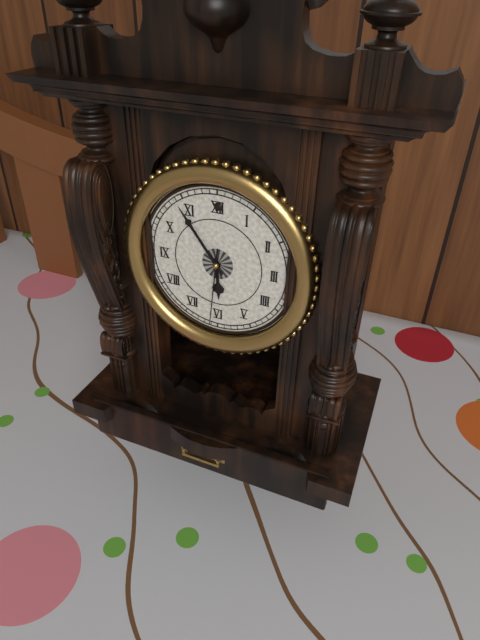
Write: h=5 m=54 s=31
